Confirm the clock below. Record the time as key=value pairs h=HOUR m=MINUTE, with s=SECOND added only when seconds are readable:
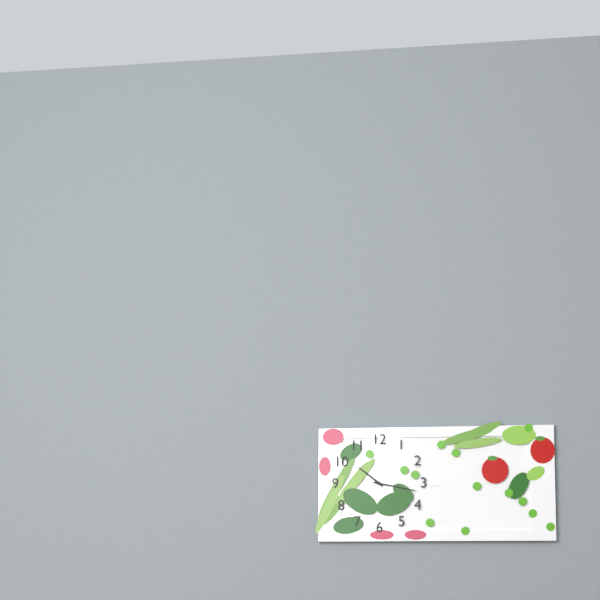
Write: h=10 m=17
